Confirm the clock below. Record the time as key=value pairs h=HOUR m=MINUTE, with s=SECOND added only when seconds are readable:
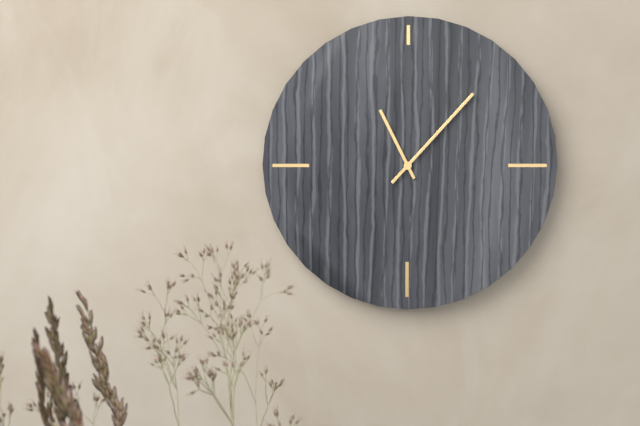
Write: h=11 m=7
